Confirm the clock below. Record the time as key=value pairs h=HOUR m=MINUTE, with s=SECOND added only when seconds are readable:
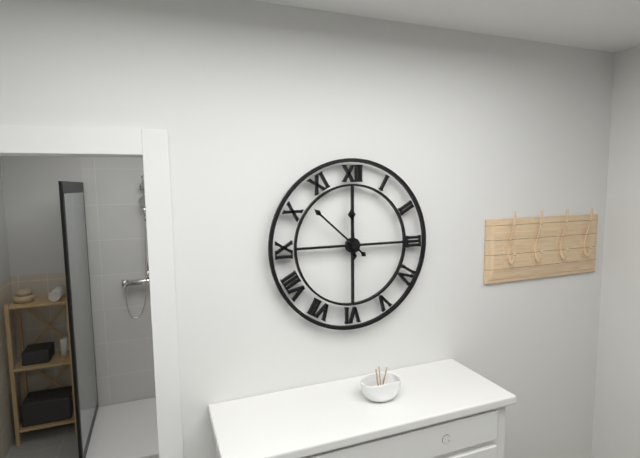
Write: h=11 m=52
